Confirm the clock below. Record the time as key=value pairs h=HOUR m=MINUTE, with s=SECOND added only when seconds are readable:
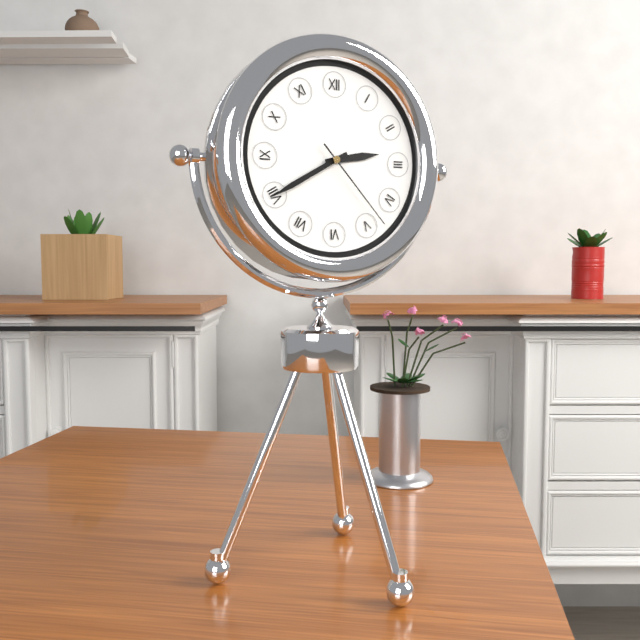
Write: h=2 m=40 s=23
